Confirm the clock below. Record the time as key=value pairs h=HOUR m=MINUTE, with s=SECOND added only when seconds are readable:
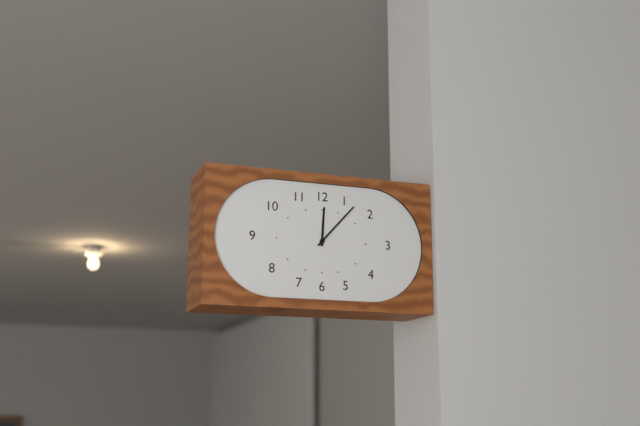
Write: h=12 m=7
